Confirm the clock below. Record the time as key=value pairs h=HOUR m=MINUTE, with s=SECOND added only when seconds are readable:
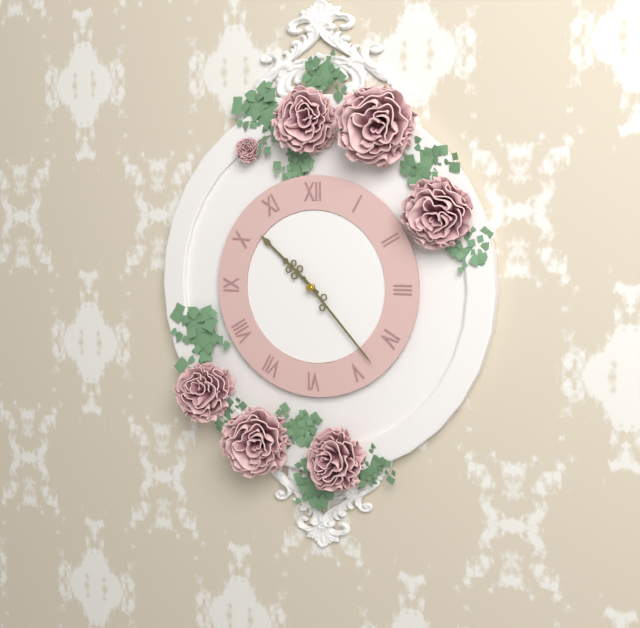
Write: h=10 m=23
